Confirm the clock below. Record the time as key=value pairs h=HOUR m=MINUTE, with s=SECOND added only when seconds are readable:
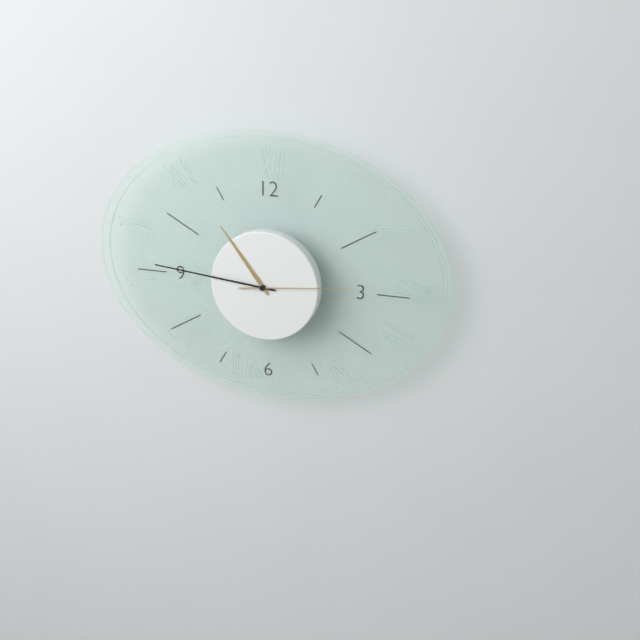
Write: h=10 m=46 s=14
